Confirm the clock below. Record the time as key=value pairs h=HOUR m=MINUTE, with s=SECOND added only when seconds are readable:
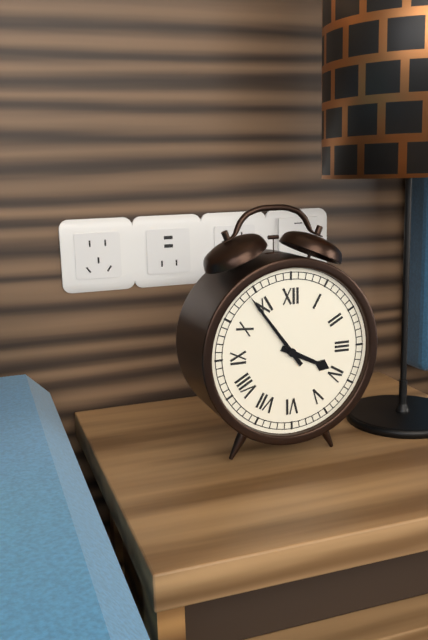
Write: h=3 m=54
